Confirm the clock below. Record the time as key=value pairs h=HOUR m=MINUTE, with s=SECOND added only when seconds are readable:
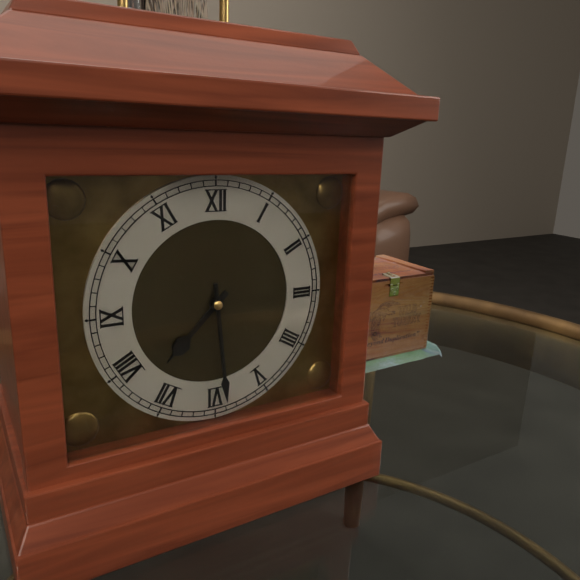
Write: h=7 m=29
